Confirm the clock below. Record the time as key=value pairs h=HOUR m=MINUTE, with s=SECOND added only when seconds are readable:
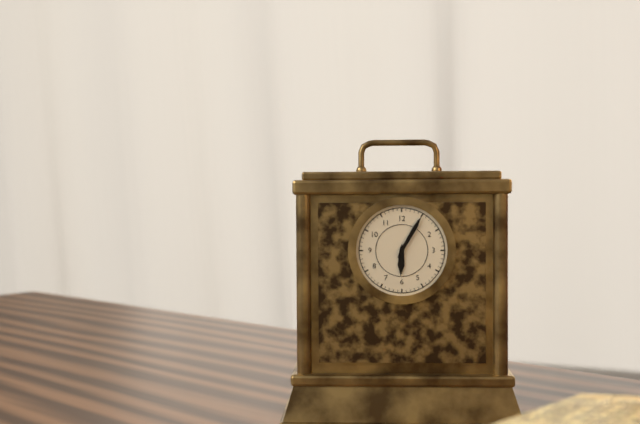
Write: h=6 m=5
